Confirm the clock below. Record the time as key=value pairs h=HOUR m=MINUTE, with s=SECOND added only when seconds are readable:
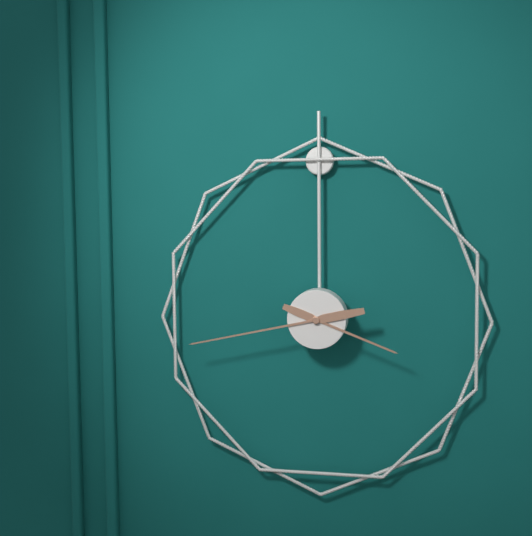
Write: h=3 m=43
